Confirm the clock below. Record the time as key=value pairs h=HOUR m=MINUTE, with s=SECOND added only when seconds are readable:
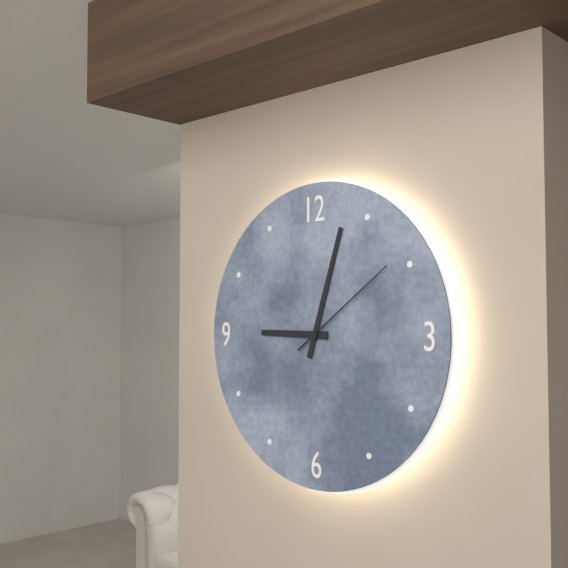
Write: h=9 m=3 s=9
